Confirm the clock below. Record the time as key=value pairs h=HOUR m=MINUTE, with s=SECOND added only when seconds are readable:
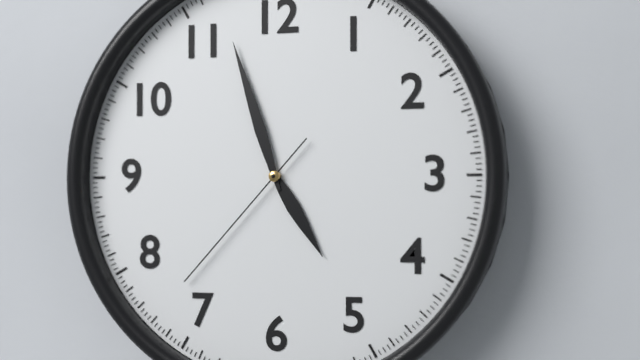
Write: h=4 m=57 s=37
